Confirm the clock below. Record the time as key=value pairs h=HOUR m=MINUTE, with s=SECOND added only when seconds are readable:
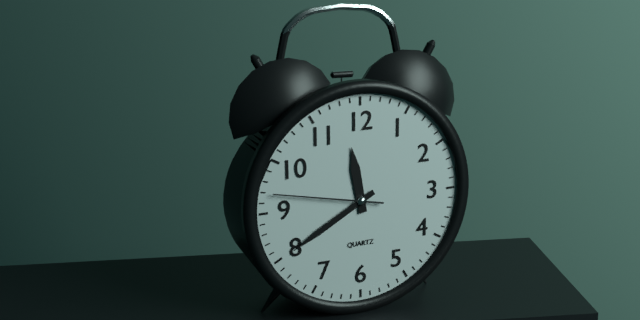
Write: h=11 m=40 s=47
